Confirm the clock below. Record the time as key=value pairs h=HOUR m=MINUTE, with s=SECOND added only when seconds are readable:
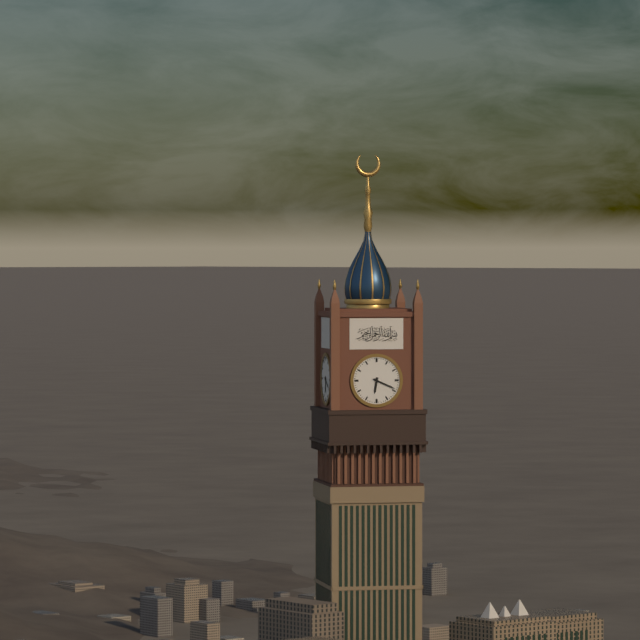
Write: h=6 m=19
